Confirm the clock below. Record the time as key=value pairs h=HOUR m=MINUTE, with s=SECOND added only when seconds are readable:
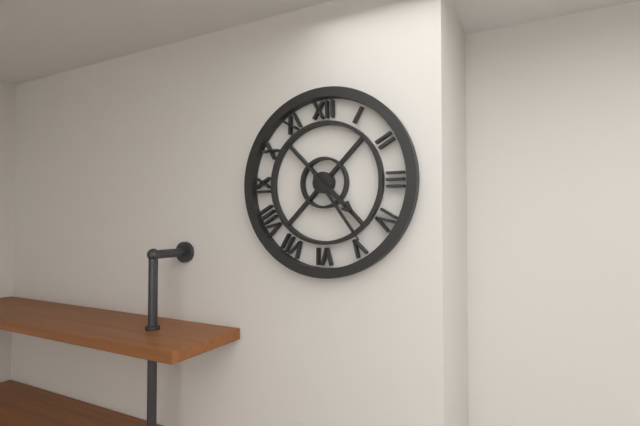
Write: h=4 m=24
